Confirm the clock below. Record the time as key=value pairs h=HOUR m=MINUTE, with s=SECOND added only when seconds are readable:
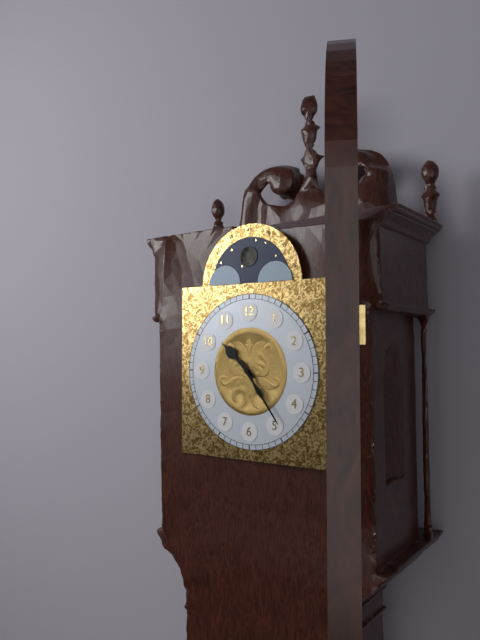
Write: h=10 m=24
